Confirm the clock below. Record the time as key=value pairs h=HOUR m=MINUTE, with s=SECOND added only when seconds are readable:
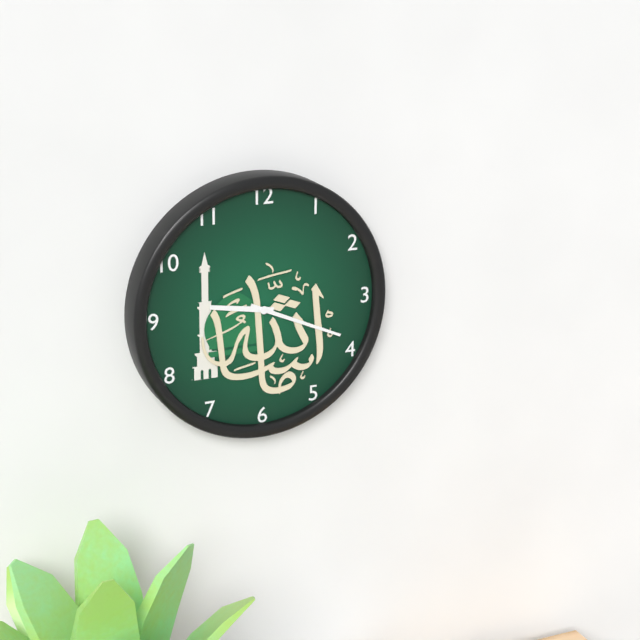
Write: h=9 m=19
